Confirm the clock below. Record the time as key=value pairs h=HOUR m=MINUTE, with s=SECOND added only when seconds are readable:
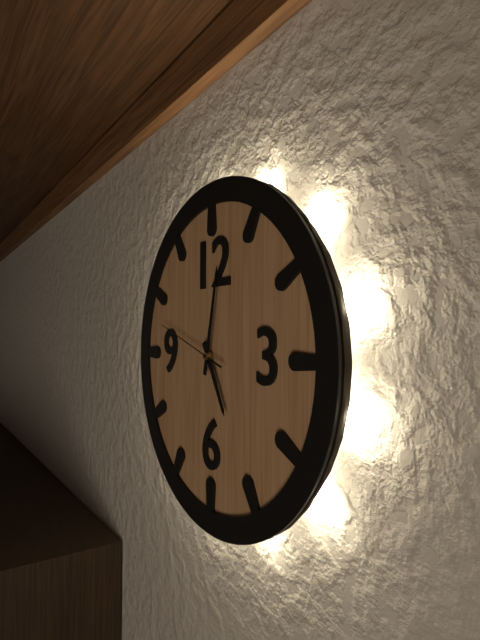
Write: h=5 m=2 s=48
